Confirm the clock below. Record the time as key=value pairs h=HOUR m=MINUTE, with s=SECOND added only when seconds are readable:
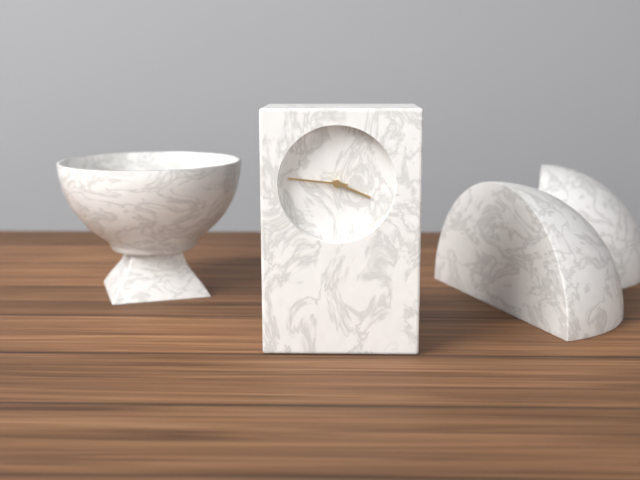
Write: h=3 m=46
